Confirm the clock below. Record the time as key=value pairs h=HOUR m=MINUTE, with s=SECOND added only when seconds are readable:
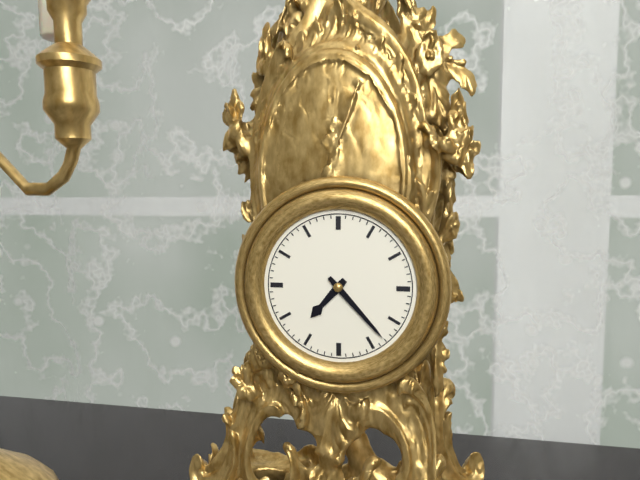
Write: h=7 m=23
